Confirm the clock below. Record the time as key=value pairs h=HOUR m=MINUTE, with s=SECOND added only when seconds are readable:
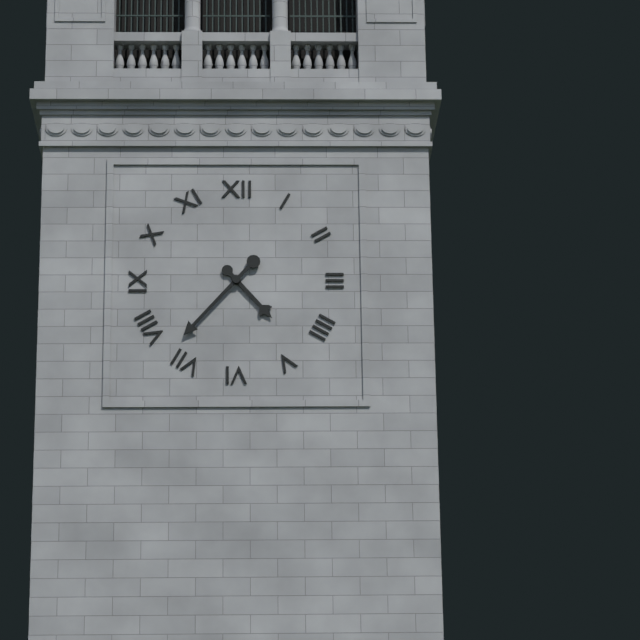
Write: h=4 m=37
